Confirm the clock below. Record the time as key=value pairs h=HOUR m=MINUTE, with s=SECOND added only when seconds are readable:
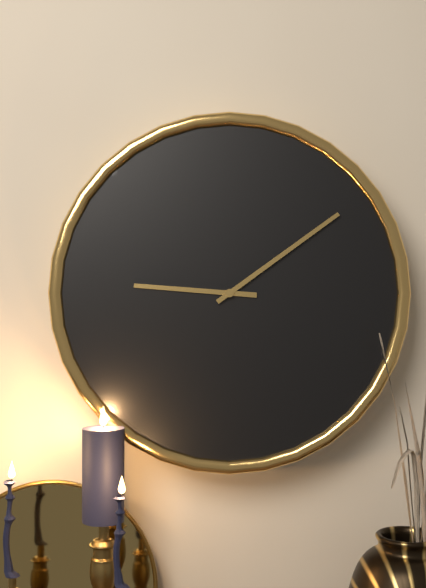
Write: h=9 m=9
